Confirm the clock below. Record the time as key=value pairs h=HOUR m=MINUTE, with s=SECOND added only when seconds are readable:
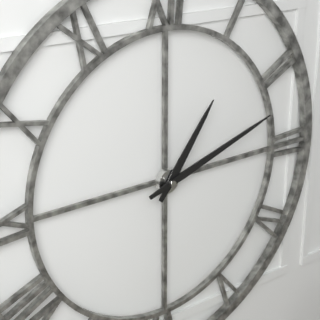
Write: h=1 m=12
